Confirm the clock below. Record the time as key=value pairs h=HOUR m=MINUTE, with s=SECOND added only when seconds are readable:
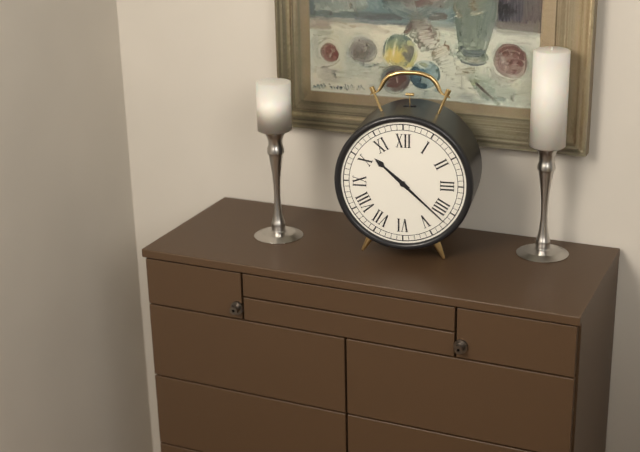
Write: h=10 m=22
